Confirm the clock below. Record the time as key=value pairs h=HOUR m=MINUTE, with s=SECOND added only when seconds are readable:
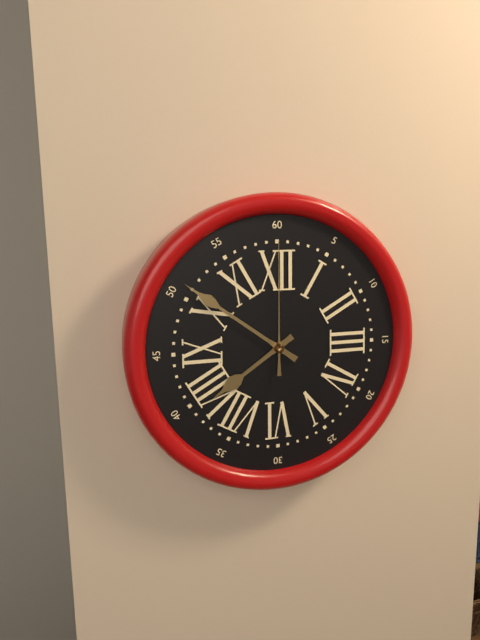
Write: h=7 m=51 s=0
